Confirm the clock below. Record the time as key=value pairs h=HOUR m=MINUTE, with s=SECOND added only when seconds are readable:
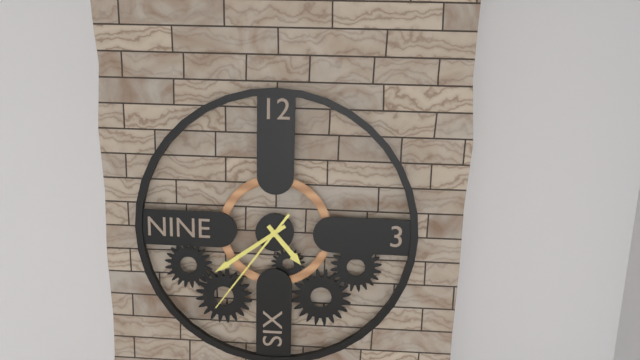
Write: h=4 m=39 s=36
